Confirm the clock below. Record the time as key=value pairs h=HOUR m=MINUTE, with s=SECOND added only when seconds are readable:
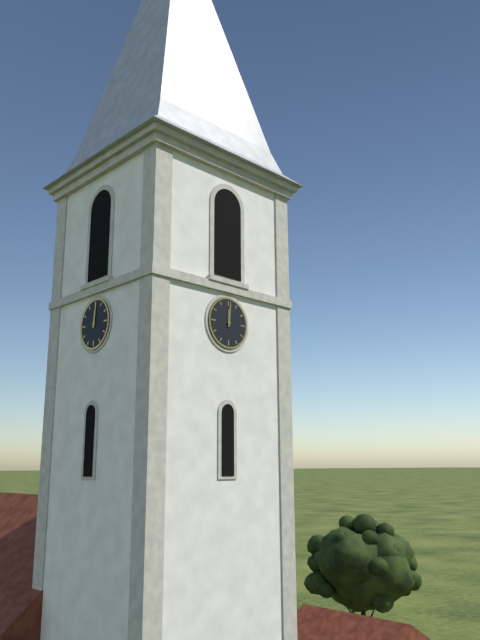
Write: h=12 m=1
